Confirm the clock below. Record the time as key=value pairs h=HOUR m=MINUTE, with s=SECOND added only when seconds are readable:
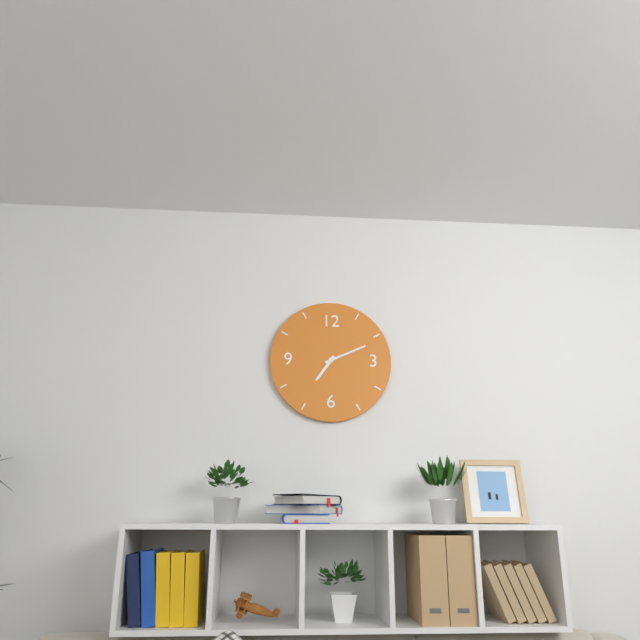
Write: h=7 m=11
